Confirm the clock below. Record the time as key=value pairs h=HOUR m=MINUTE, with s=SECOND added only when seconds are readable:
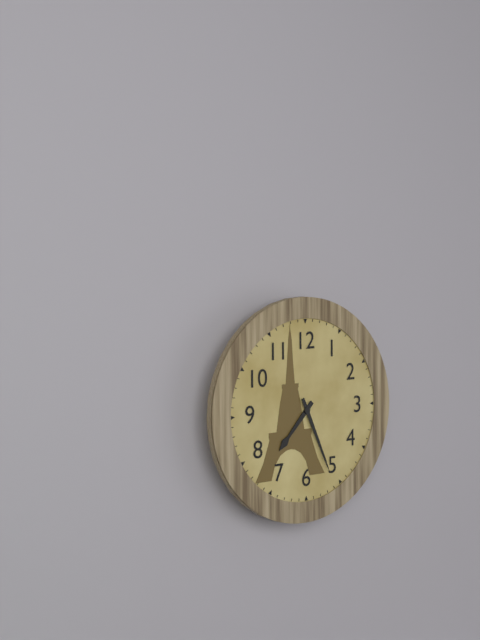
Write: h=7 m=26
